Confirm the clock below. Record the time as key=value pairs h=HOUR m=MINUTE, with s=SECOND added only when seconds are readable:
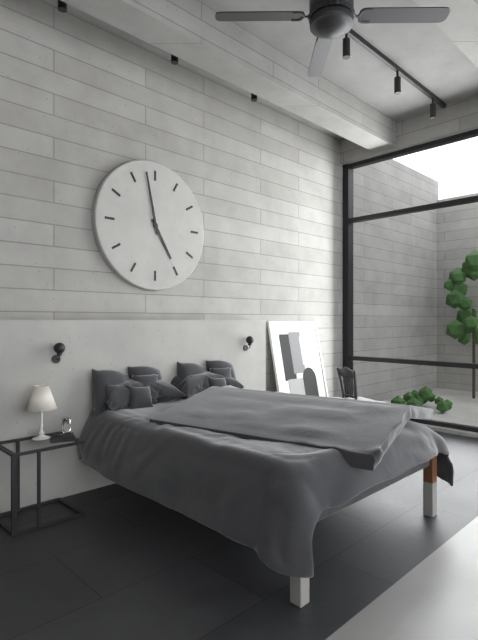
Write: h=4 m=58
